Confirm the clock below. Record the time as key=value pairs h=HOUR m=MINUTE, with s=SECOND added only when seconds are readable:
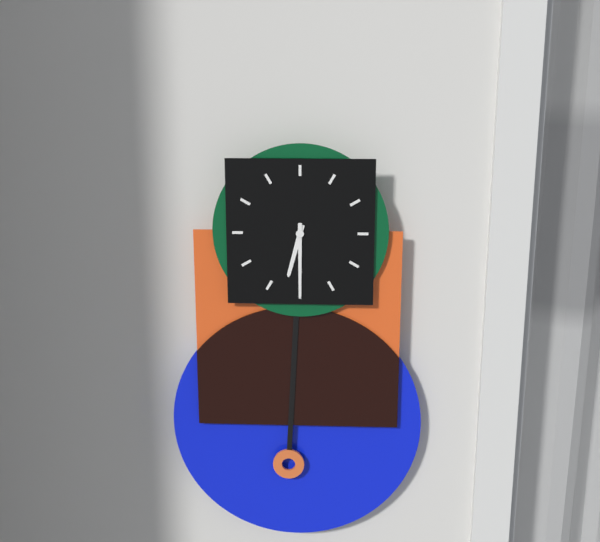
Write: h=6 m=30
